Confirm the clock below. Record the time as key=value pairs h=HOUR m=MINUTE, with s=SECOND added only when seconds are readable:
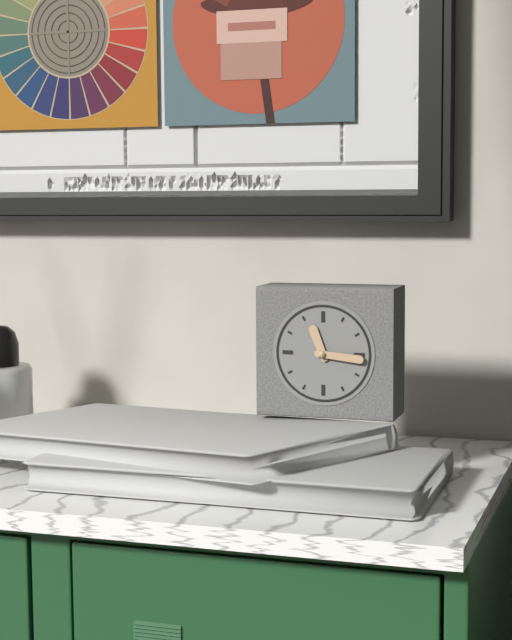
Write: h=11 m=16
